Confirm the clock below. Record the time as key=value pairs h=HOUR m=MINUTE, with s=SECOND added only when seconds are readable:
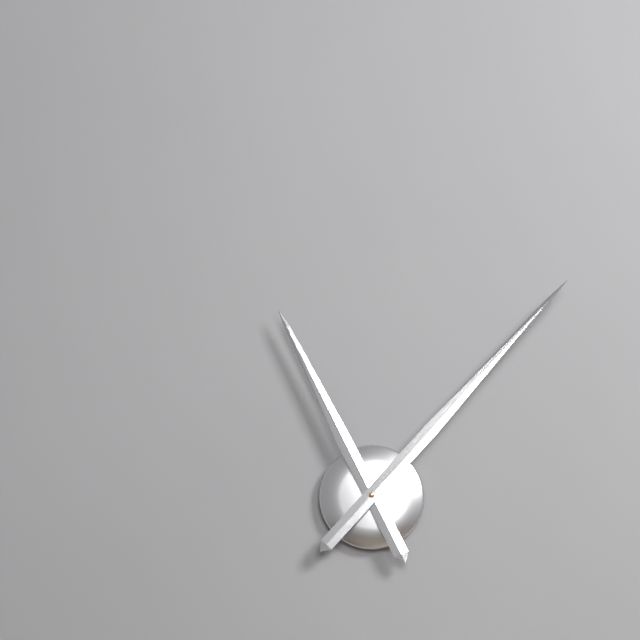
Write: h=11 m=7
